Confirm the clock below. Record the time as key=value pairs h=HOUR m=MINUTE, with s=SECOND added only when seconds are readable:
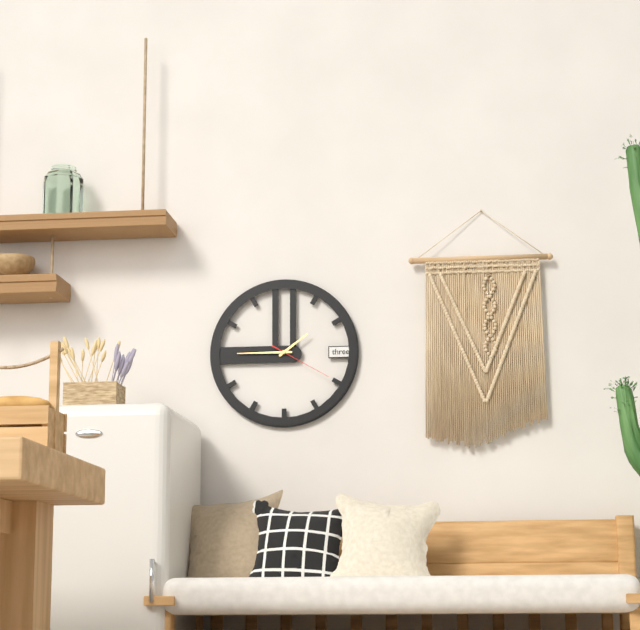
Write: h=1 m=45 s=20
